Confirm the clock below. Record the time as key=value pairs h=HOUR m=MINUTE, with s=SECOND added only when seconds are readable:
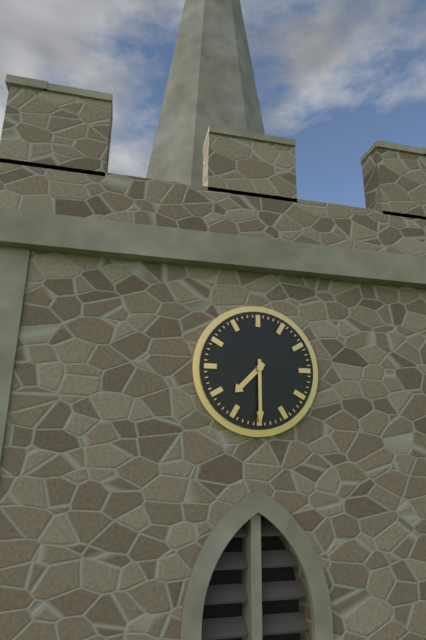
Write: h=7 m=30
